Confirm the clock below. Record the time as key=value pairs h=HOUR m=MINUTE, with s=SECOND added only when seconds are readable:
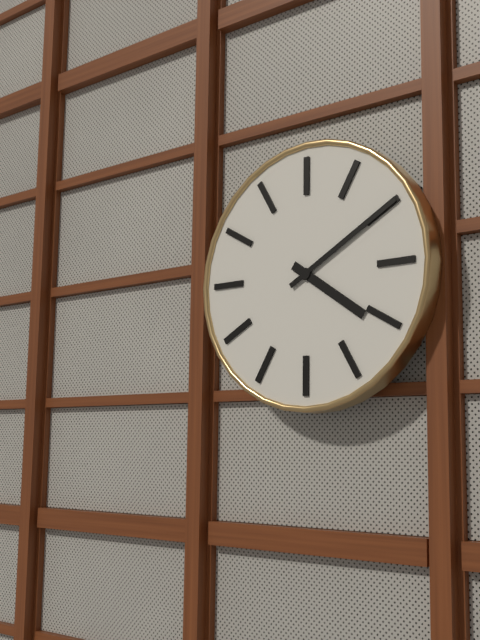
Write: h=4 m=10
